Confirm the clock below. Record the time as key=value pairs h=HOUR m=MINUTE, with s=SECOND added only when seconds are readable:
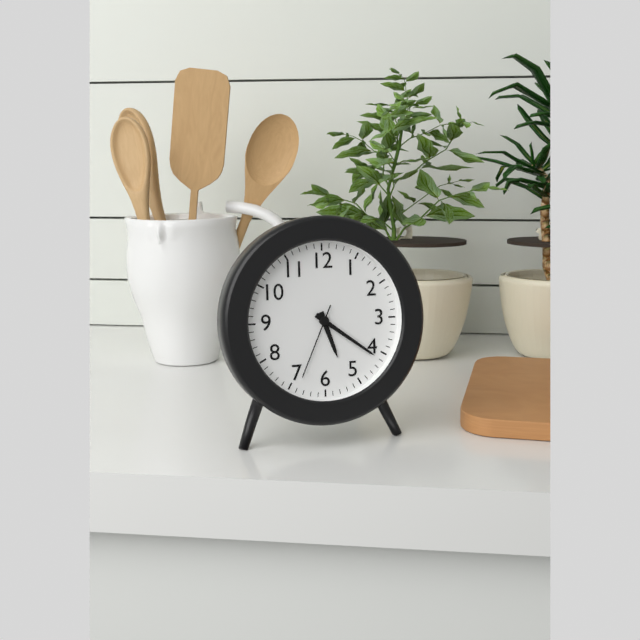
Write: h=5 m=21 s=34
